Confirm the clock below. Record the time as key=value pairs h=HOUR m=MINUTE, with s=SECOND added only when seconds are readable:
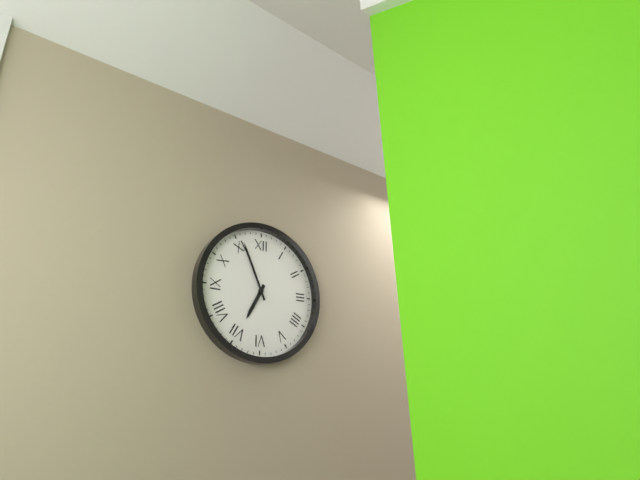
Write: h=6 m=56
